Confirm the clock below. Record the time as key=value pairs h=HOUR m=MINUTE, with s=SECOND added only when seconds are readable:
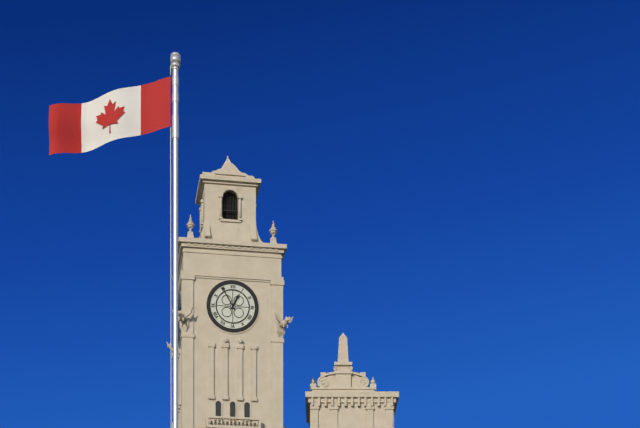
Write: h=12 m=55
